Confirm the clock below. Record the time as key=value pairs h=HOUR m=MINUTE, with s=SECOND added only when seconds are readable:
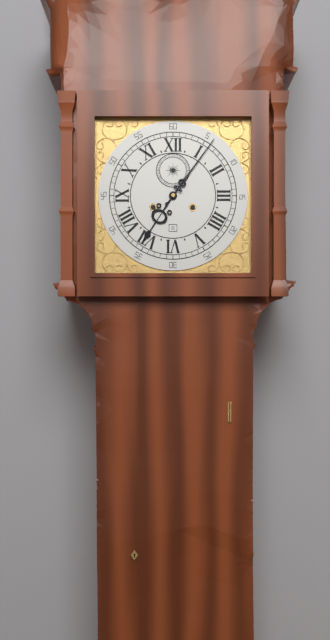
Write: h=7 m=6
